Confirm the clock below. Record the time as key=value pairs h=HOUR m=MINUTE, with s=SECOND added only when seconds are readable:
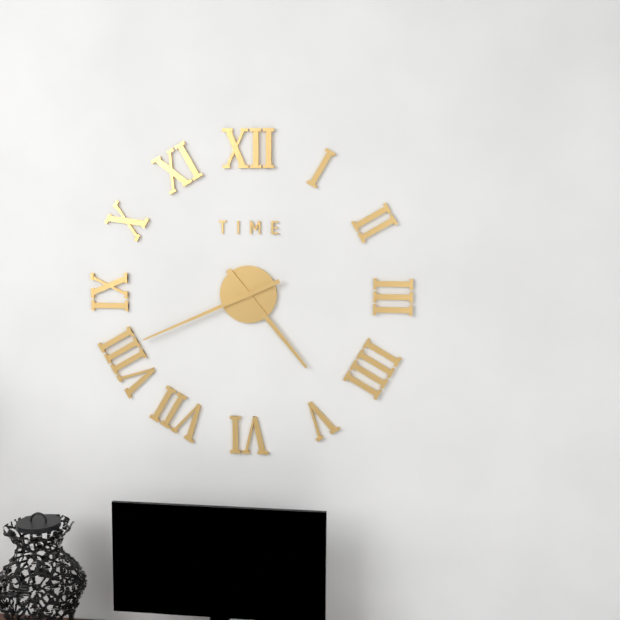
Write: h=4 m=41
